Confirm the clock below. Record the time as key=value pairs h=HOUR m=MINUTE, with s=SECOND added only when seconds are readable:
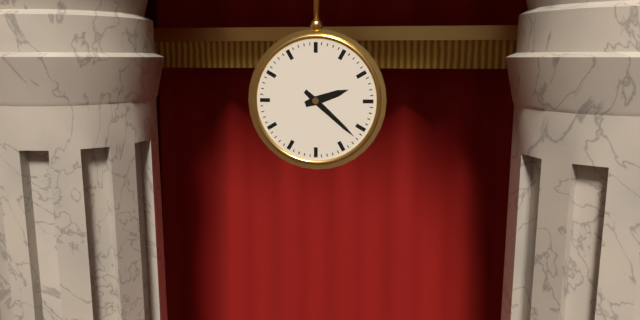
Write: h=2 m=22
